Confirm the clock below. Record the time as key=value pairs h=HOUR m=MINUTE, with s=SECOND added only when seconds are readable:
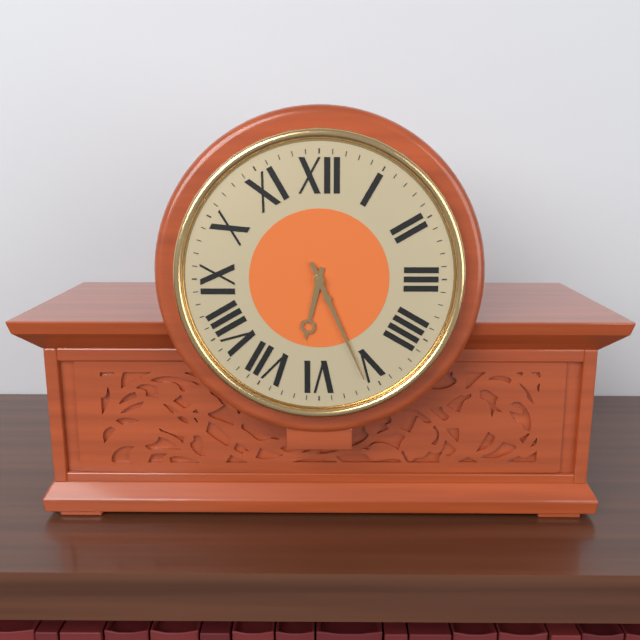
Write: h=6 m=26
